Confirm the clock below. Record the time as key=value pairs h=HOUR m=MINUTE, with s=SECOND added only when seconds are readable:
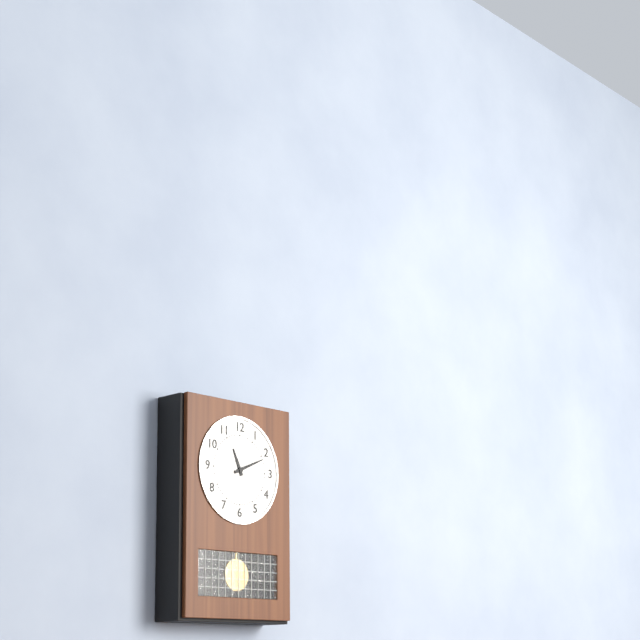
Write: h=11 m=11
